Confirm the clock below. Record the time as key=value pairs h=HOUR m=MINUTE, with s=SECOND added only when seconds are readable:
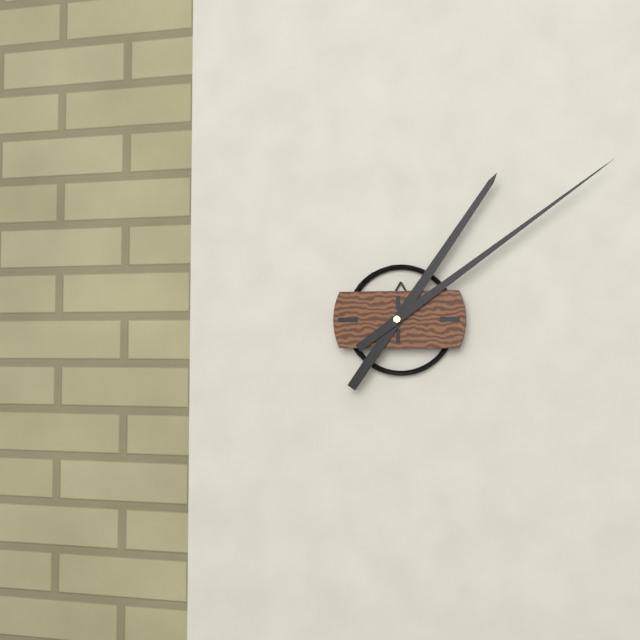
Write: h=1 m=9
